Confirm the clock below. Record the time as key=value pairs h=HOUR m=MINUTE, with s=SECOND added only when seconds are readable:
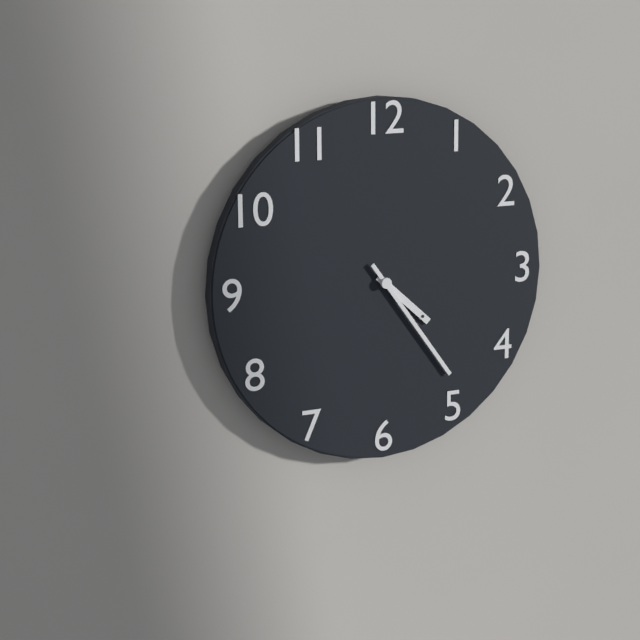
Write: h=4 m=24
